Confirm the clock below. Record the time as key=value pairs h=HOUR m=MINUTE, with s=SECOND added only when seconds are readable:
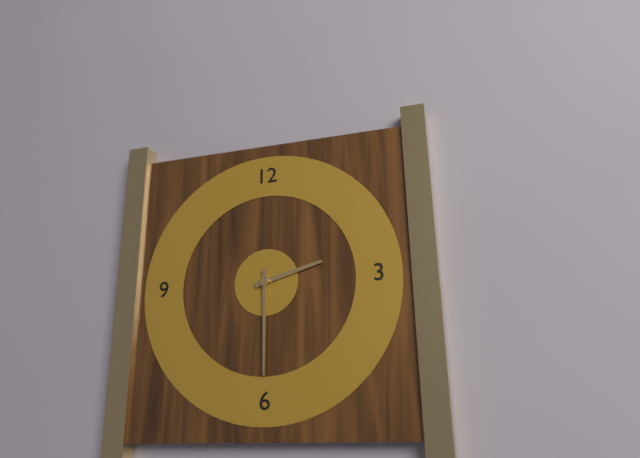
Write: h=2 m=30
